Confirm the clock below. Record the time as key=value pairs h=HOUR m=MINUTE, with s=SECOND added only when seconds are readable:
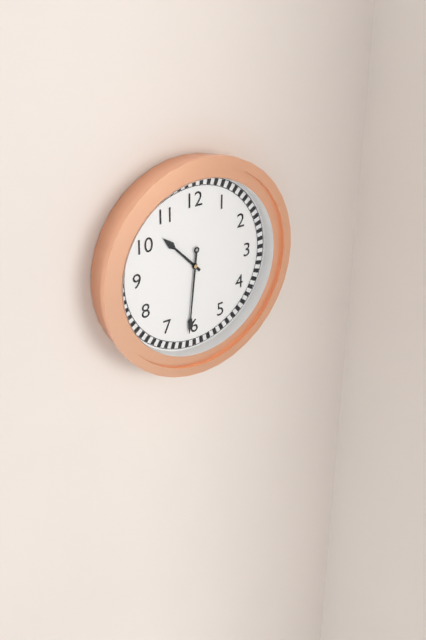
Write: h=10 m=31
